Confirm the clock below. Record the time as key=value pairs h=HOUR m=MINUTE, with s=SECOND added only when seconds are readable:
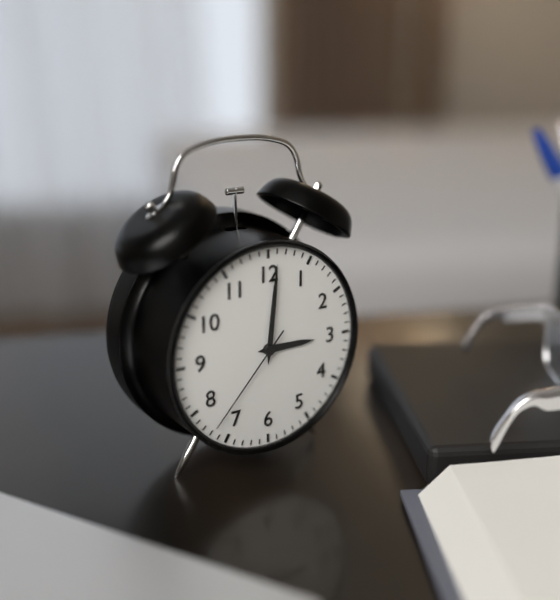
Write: h=3 m=1 s=37
